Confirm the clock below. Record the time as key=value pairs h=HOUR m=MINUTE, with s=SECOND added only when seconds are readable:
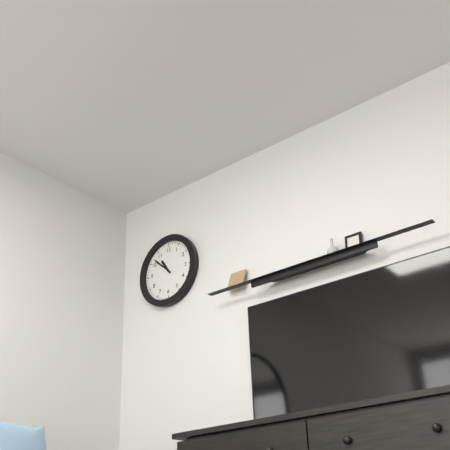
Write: h=10 m=52
